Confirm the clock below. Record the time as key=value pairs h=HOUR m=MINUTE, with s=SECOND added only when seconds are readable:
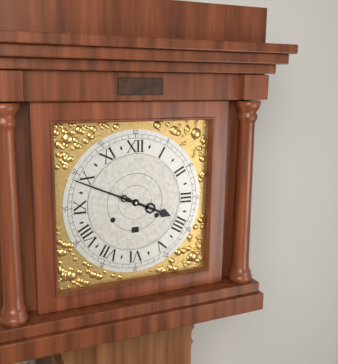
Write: h=3 m=49
